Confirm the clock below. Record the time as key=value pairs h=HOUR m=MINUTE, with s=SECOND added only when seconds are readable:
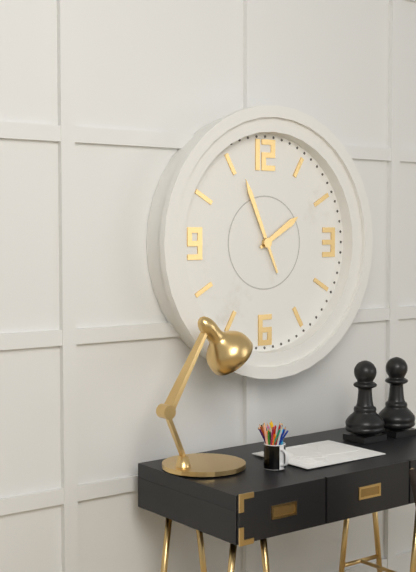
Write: h=1 m=56
